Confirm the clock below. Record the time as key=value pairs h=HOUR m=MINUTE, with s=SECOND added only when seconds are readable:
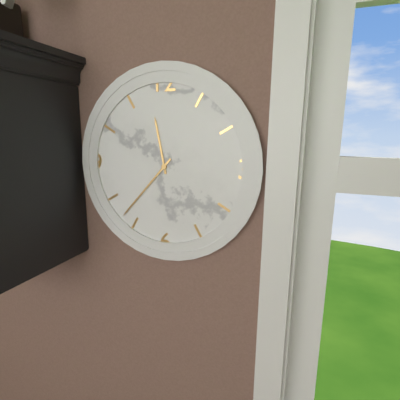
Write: h=11 m=37
